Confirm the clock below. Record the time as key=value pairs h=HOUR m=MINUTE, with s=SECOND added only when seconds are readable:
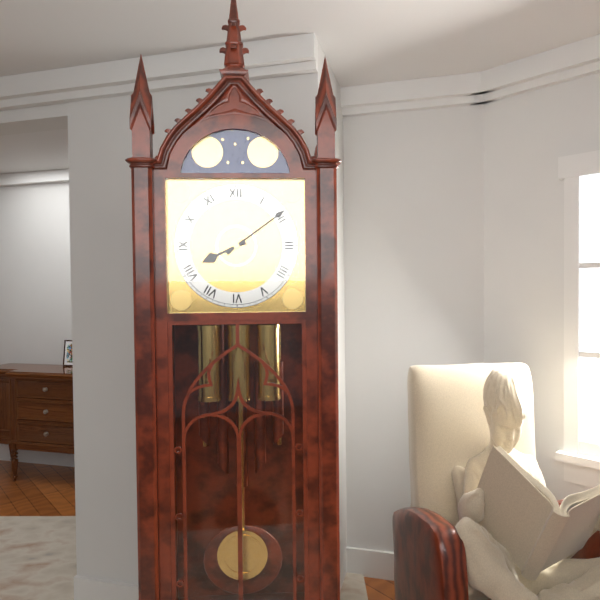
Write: h=8 m=9
